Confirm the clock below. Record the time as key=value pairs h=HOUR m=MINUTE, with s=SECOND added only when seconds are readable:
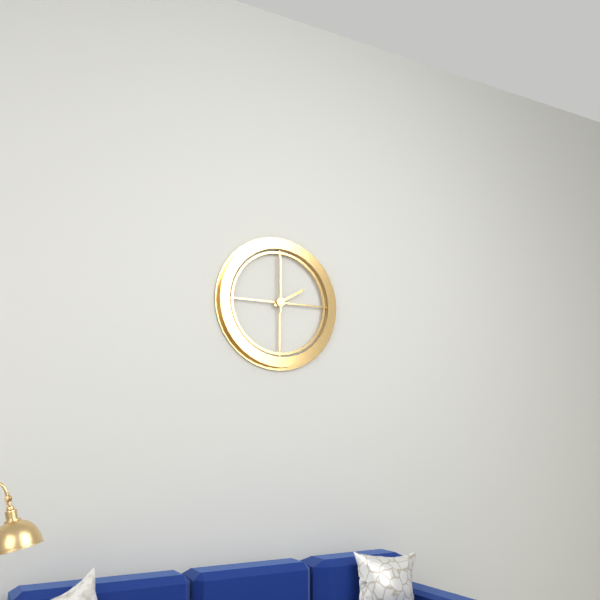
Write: h=2 m=0
